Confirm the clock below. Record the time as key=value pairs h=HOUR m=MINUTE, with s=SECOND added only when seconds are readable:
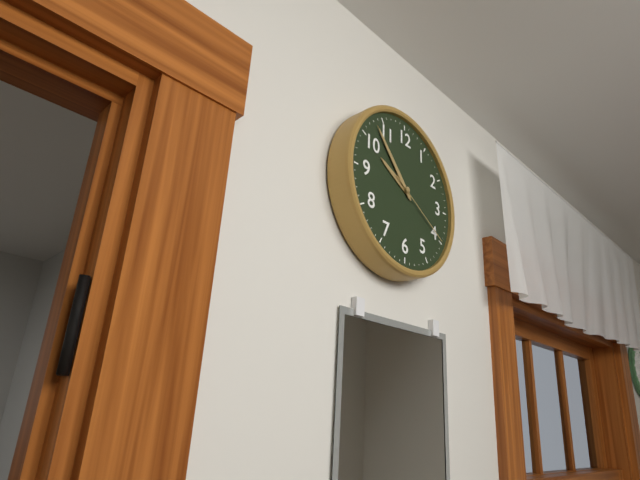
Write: h=9 m=53 s=20
